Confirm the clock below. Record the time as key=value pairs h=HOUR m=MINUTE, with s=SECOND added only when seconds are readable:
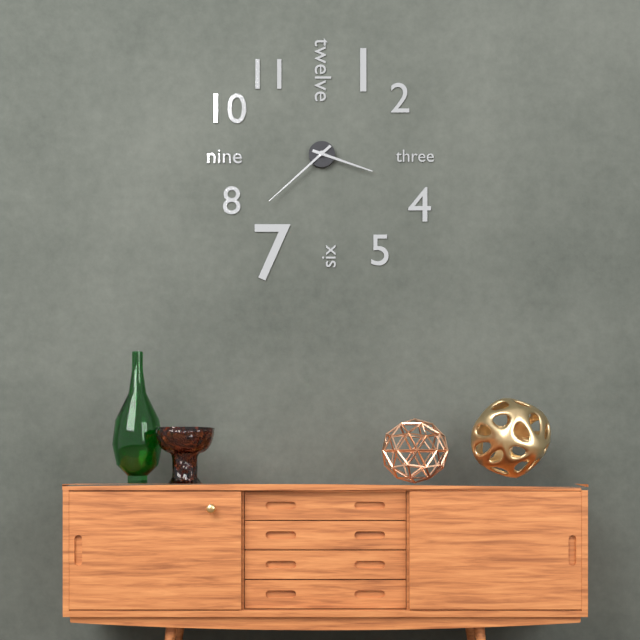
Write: h=3 m=38
